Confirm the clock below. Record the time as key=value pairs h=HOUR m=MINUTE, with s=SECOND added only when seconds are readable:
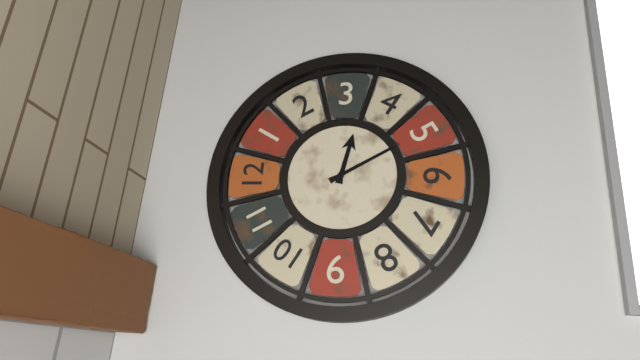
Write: h=3 m=25
